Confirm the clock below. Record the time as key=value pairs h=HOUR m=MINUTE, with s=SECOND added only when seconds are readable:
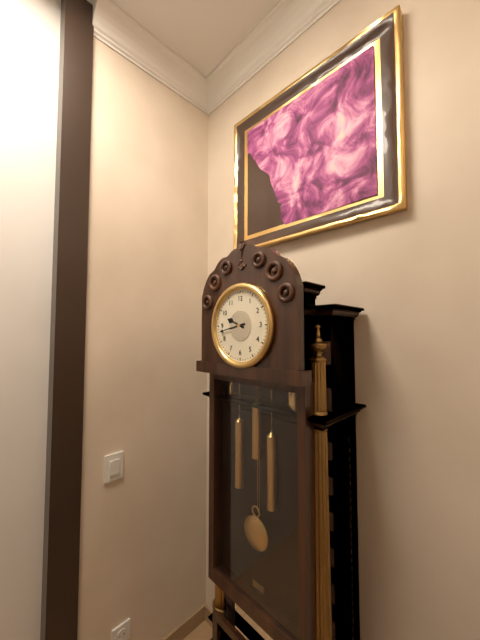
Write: h=9 m=43
